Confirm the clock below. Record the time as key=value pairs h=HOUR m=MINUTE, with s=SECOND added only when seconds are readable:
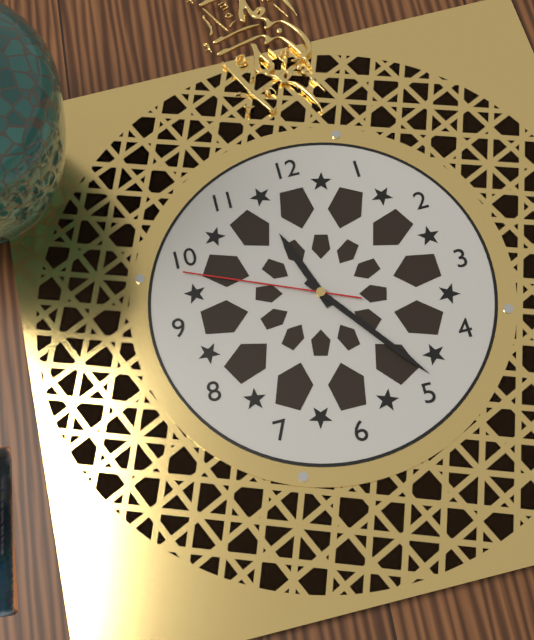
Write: h=11 m=24 s=49
